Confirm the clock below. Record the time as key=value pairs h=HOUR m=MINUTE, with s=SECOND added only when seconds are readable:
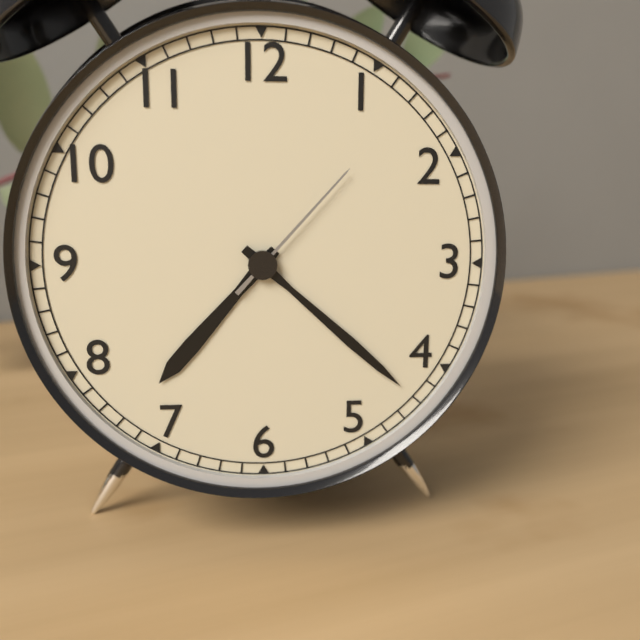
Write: h=7 m=22 s=7
